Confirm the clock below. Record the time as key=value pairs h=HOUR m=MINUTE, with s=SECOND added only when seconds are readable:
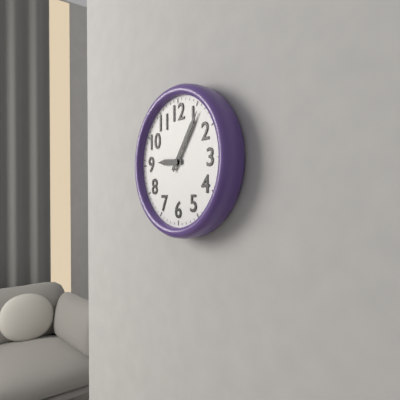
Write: h=9 m=6
